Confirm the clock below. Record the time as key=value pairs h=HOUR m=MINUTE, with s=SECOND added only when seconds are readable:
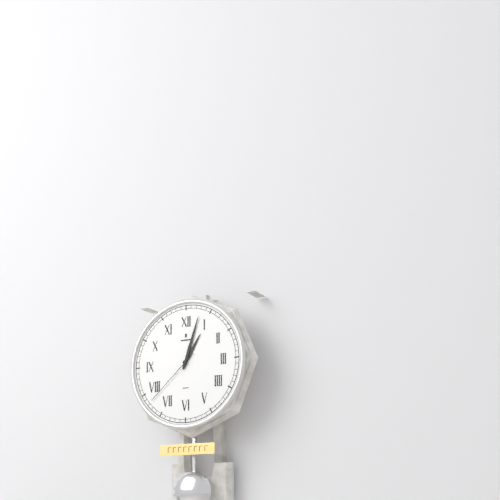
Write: h=1 m=3 s=38
